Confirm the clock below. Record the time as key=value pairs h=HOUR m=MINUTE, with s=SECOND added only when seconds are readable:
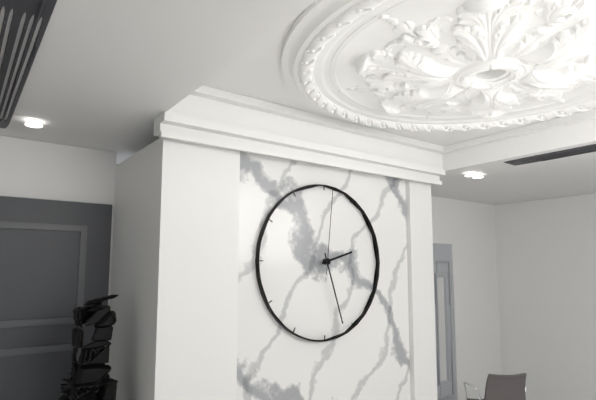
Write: h=2 m=27 s=1
